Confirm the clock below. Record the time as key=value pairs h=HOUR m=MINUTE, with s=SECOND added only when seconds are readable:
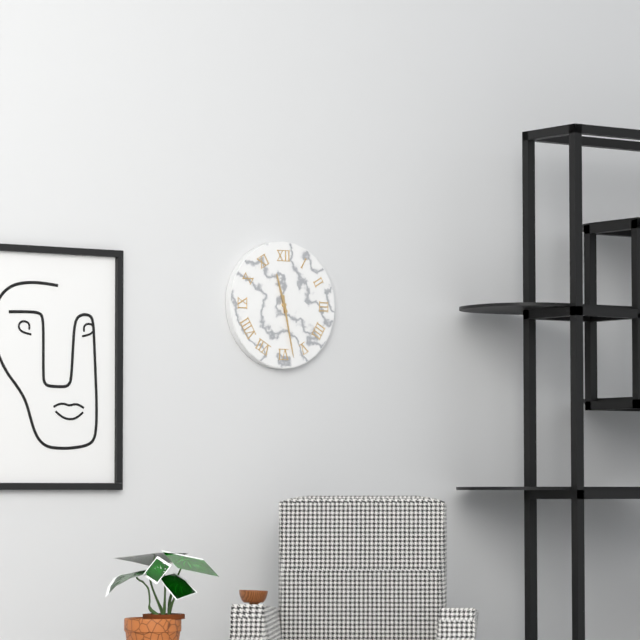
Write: h=11 m=28
